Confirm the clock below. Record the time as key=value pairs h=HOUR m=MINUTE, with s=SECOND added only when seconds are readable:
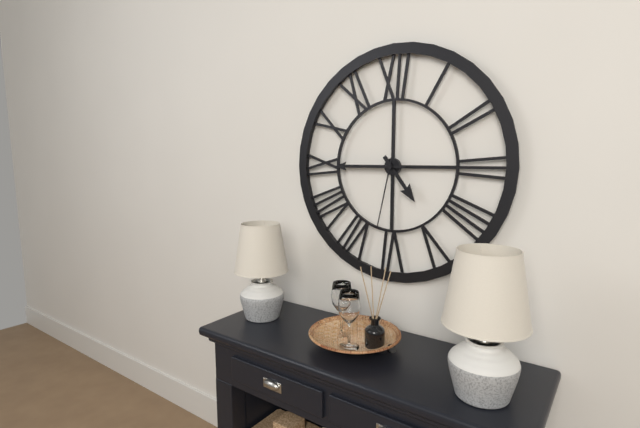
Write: h=4 m=45 s=32
